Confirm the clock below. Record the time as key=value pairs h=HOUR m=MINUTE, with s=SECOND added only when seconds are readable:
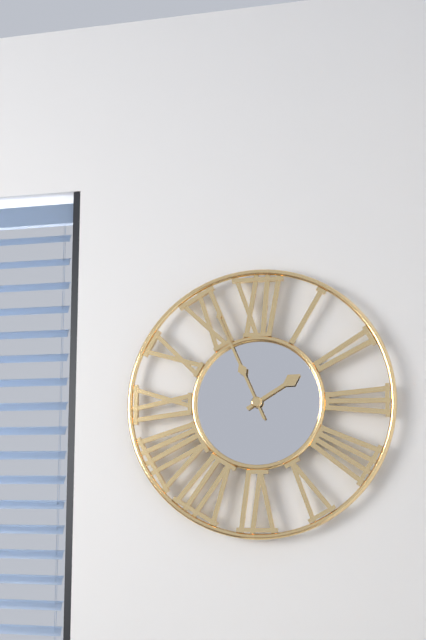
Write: h=1 m=56
